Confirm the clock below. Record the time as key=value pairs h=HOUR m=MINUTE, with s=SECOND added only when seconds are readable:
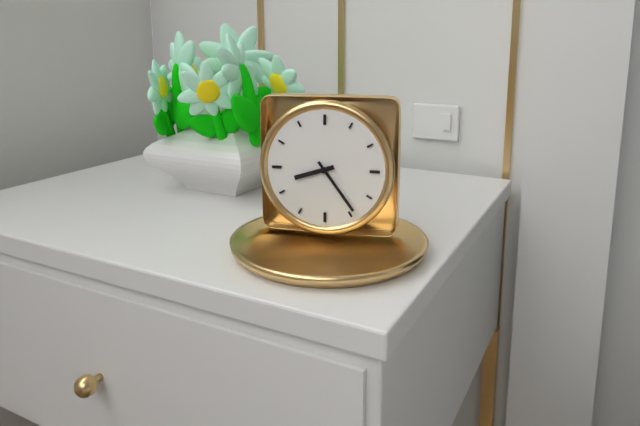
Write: h=8 m=24
